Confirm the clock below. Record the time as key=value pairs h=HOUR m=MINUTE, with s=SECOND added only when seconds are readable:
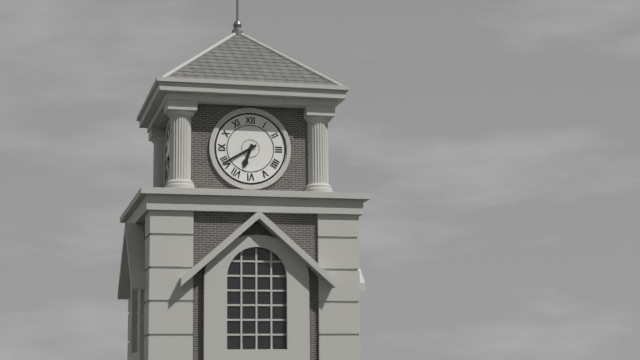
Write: h=6 m=40
